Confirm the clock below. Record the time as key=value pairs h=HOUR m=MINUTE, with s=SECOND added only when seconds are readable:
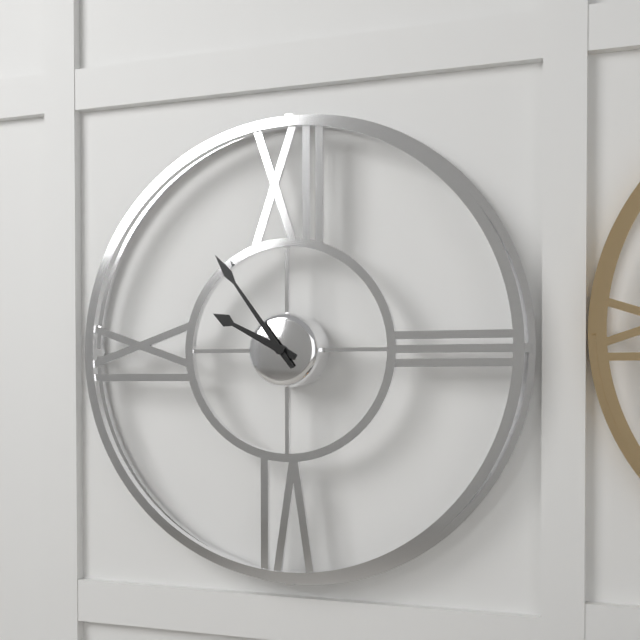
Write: h=9 m=54
